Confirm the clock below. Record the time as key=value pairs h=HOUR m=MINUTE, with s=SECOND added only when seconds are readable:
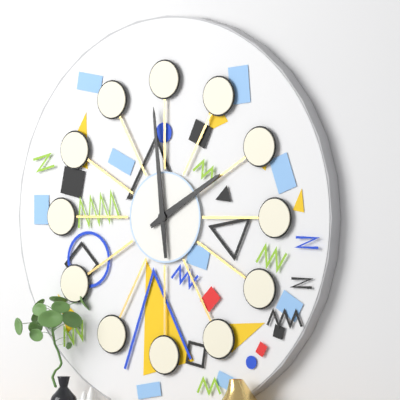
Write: h=1 m=59
